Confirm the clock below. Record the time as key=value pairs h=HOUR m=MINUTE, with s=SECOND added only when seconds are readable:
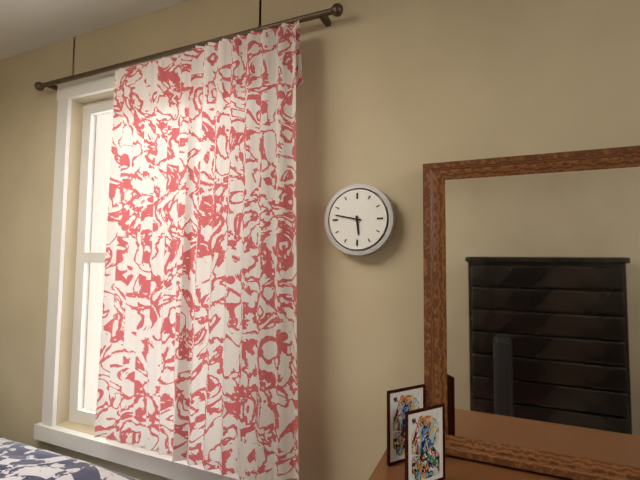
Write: h=5 m=47
